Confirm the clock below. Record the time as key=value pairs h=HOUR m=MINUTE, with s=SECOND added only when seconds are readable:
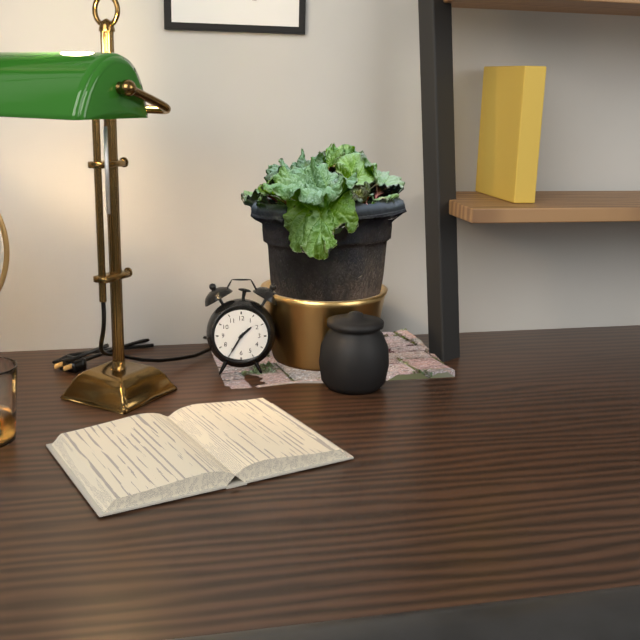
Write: h=1 m=35
